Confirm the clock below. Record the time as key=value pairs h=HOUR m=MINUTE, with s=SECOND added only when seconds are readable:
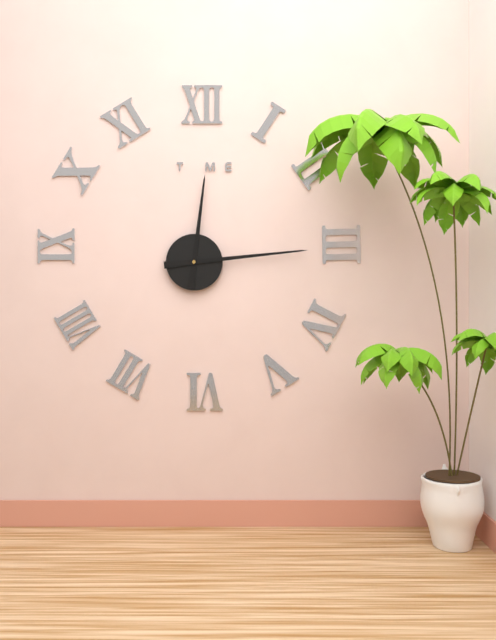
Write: h=12 m=14
